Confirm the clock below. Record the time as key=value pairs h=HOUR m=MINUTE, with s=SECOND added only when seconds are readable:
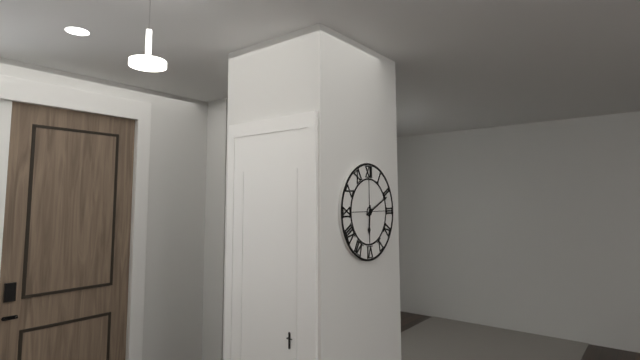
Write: h=6 m=11
